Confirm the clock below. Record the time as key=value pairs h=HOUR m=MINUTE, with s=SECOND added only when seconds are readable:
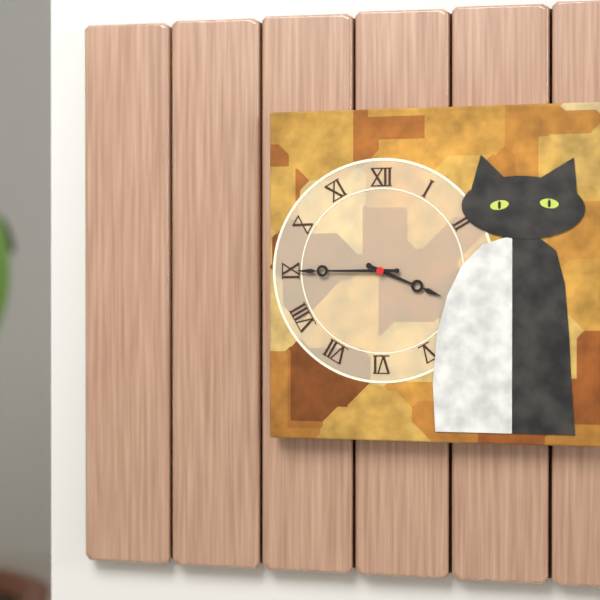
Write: h=3 m=45
